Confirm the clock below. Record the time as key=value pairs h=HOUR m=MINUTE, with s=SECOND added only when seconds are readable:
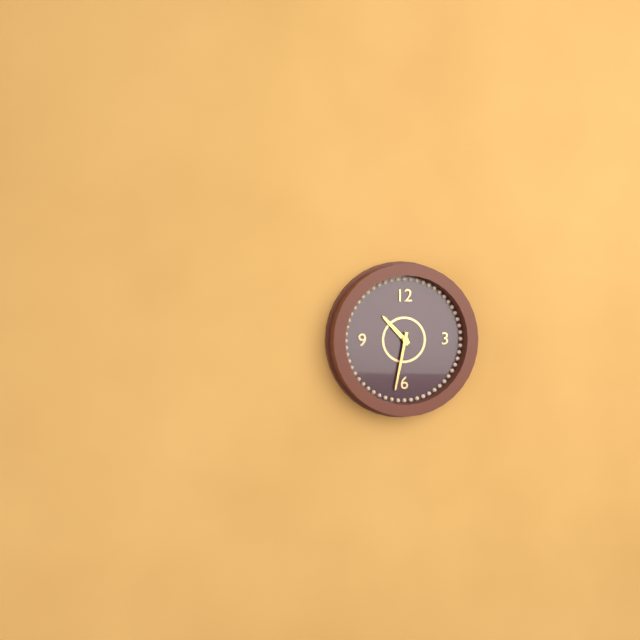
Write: h=10 m=32
